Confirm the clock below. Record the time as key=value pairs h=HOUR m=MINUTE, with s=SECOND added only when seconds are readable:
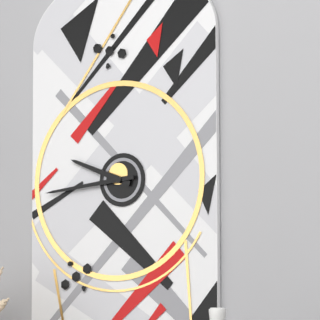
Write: h=9 m=44
